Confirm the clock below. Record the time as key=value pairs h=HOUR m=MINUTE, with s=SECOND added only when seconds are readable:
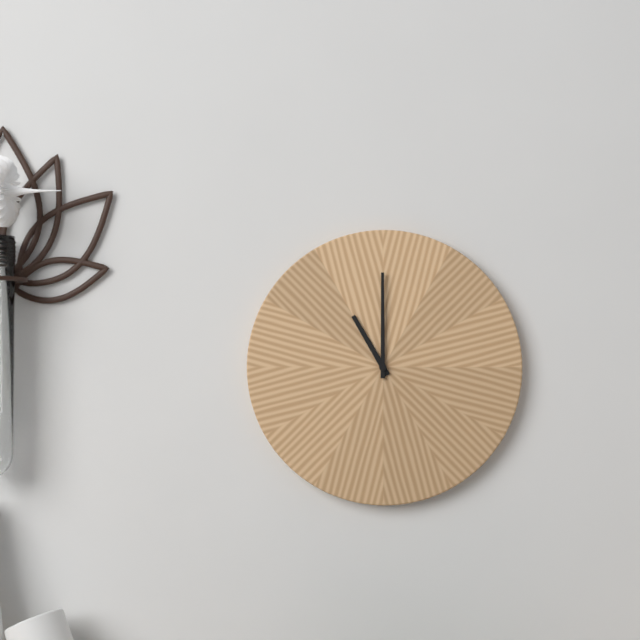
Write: h=11 m=0
